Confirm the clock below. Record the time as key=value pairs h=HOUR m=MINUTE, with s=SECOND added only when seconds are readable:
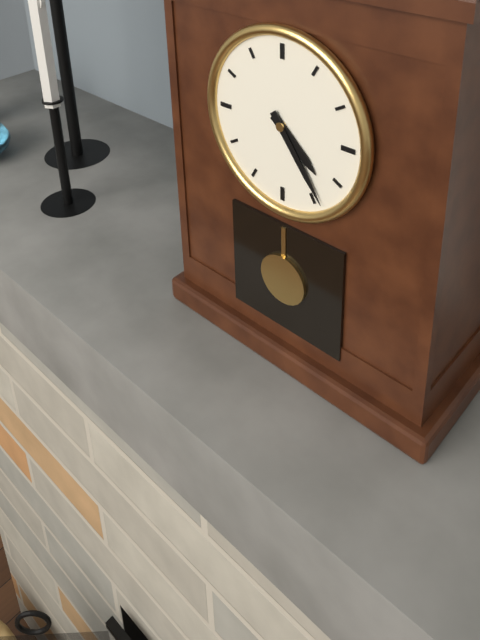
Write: h=4 m=24
